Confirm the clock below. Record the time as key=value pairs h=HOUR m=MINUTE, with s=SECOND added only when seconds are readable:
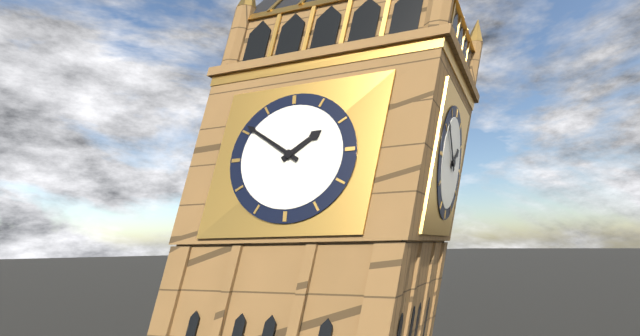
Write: h=1 m=51
